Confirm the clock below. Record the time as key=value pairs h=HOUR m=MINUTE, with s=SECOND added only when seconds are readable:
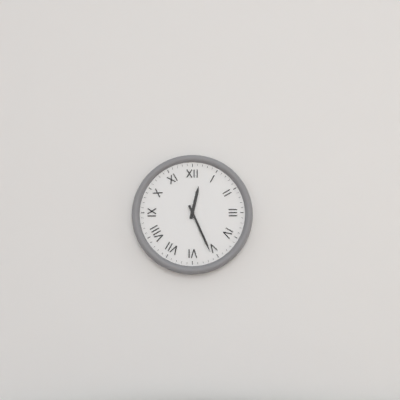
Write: h=12 m=26
